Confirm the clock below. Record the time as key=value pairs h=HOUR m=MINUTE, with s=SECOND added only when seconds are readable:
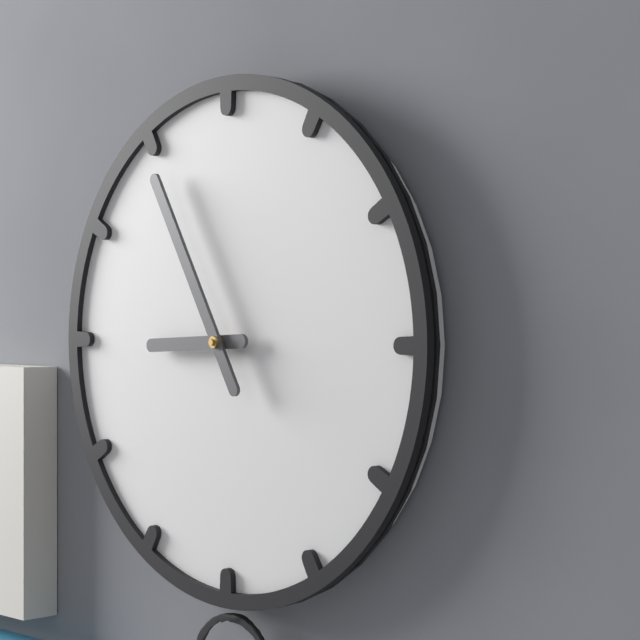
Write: h=8 m=55
